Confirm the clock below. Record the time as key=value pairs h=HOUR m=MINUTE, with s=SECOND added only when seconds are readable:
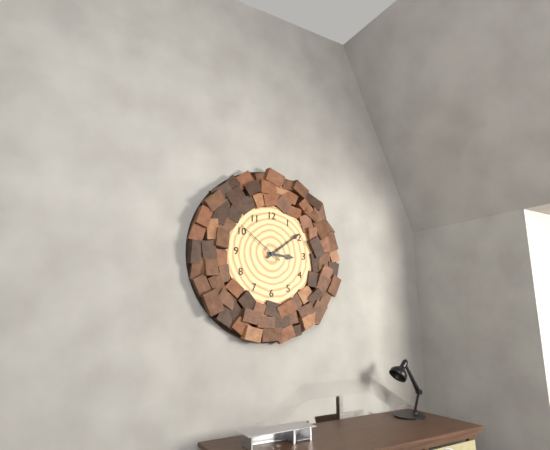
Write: h=3 m=9 s=51
